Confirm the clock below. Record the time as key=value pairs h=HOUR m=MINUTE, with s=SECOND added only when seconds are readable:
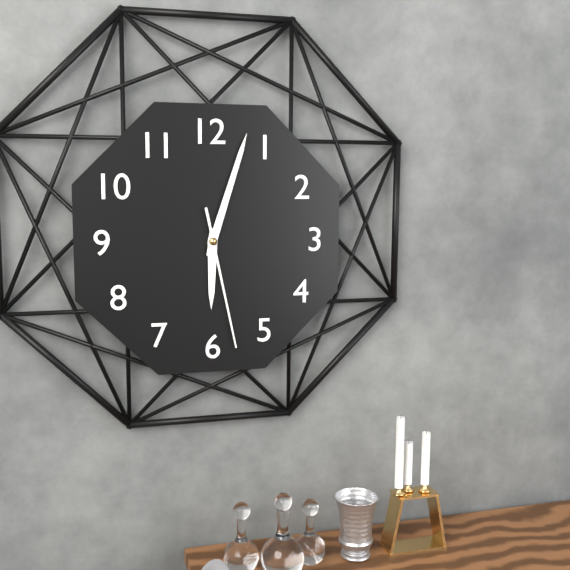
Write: h=6 m=3 s=28
